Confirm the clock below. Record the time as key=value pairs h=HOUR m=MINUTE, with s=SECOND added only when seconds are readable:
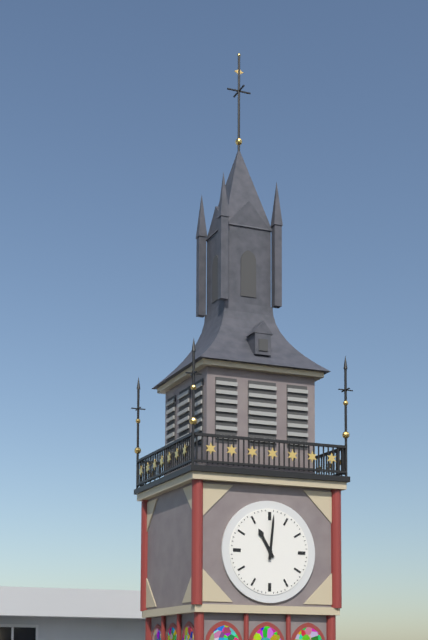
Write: h=11 m=1
